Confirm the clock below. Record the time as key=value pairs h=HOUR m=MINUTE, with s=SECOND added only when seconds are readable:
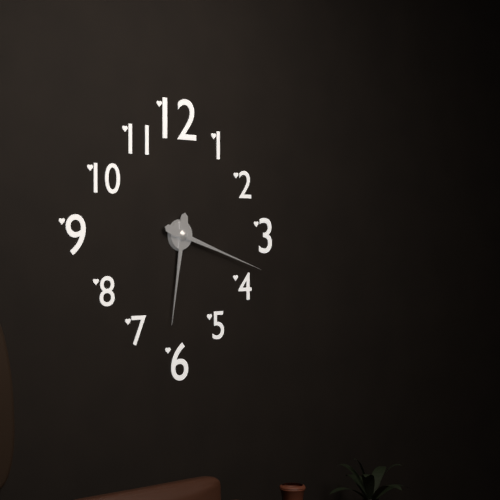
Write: h=6 m=18
